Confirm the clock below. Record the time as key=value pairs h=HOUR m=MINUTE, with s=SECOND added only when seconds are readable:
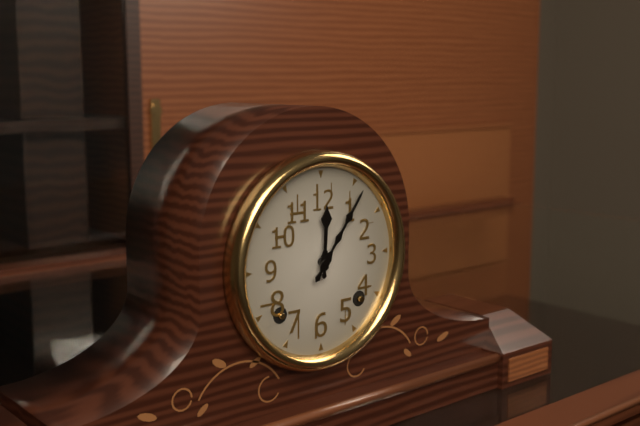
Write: h=12 m=6
